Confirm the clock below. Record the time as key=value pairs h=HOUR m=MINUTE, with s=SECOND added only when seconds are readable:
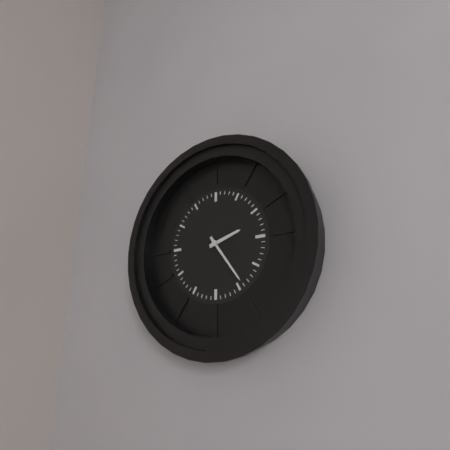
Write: h=2 m=24
